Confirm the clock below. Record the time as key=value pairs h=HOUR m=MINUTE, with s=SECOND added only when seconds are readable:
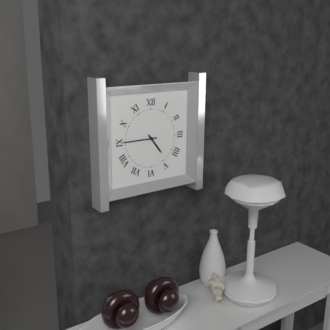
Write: h=4 m=45
